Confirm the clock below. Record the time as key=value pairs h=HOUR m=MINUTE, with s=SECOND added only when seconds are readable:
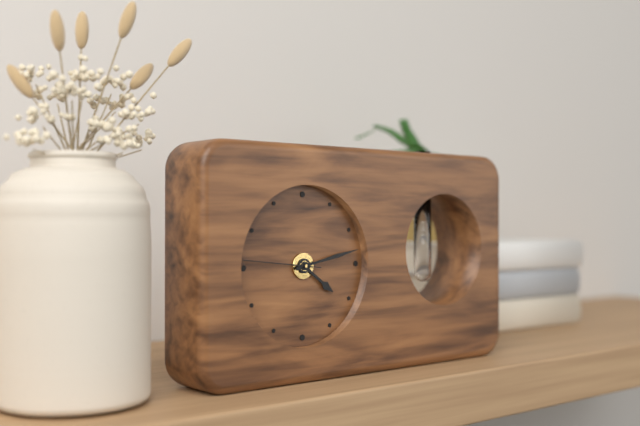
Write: h=4 m=13 s=46
